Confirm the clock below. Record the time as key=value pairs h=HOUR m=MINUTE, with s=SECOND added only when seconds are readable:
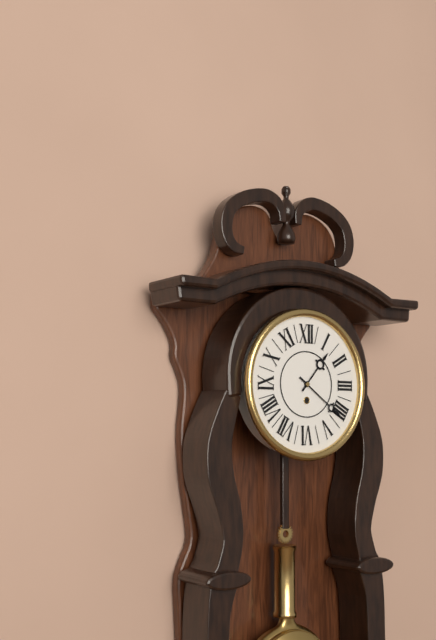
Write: h=1 m=21
